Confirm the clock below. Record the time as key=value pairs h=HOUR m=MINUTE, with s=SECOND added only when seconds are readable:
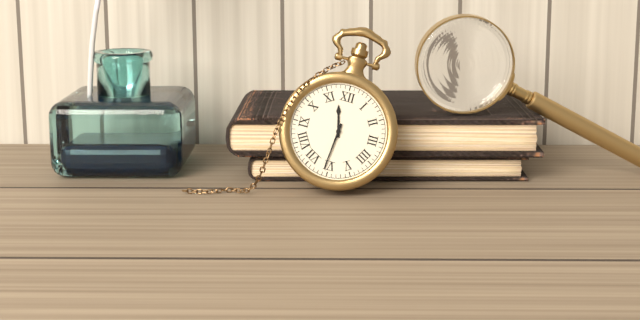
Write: h=11 m=31
